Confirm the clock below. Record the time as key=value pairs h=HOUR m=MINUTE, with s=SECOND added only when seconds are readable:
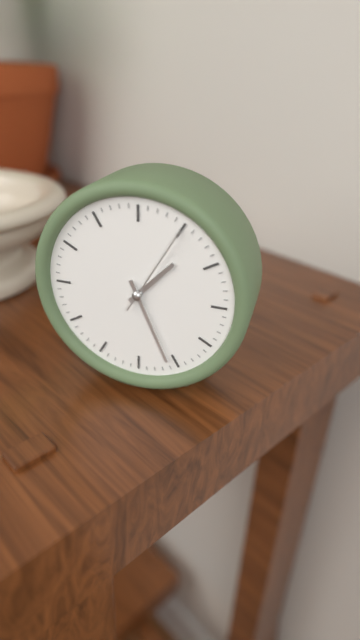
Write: h=1 m=26 s=5
